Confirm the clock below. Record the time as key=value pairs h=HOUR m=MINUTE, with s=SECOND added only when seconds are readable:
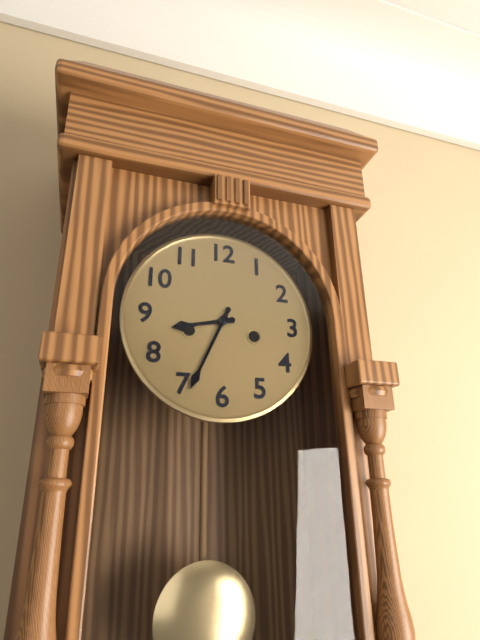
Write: h=8 m=34
